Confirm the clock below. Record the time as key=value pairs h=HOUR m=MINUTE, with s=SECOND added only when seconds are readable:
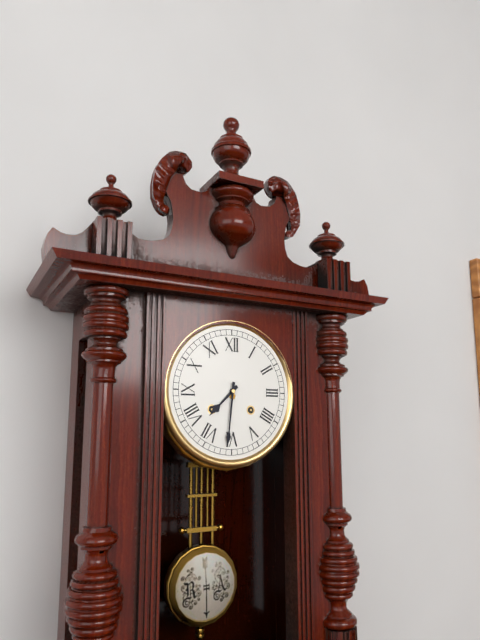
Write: h=7 m=31
